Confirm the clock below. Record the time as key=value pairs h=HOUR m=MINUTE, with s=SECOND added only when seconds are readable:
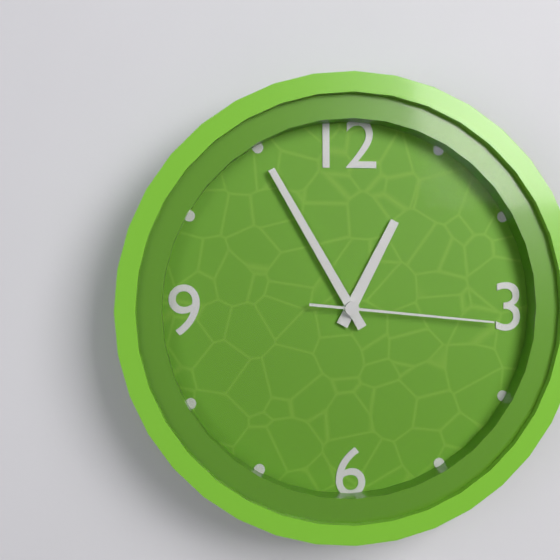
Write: h=12 m=55 s=16
